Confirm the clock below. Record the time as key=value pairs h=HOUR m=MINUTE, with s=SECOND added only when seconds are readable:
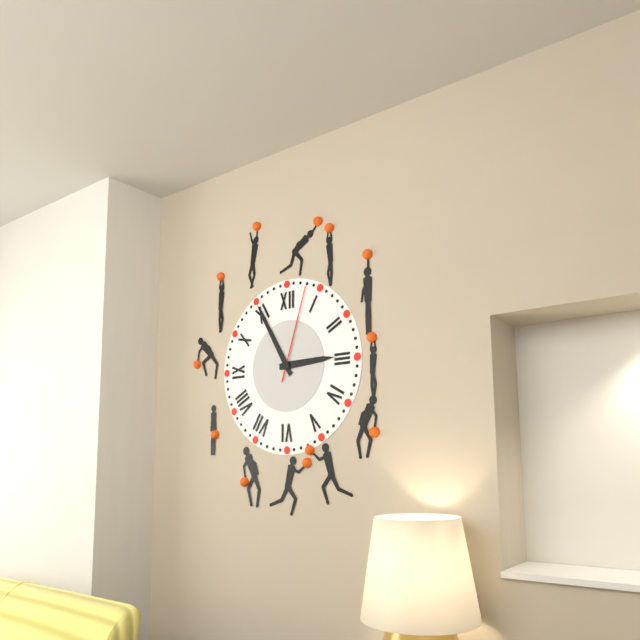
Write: h=2 m=55 s=3
